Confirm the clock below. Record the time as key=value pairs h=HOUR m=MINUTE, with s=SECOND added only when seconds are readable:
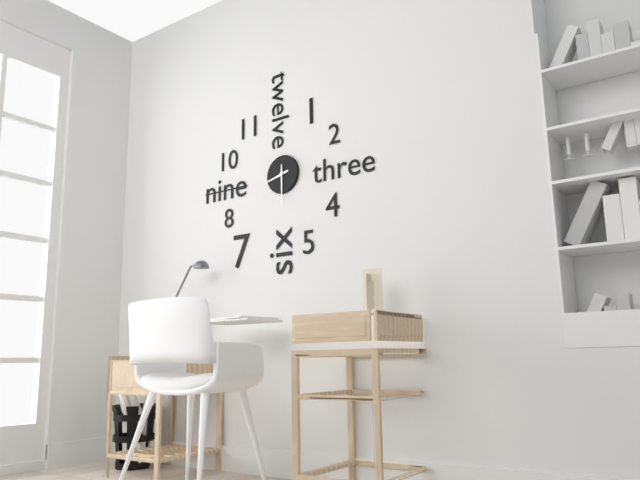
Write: h=8 m=30
